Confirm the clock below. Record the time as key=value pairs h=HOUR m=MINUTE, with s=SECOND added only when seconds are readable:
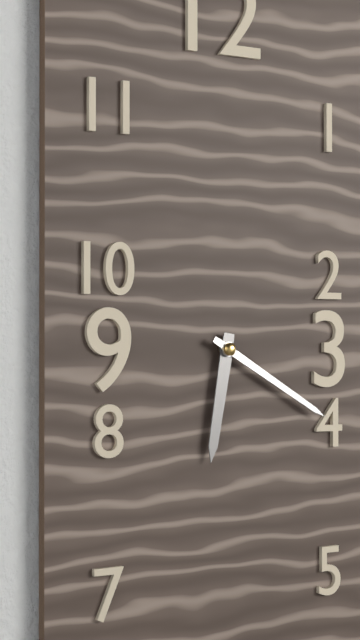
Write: h=6 m=20
